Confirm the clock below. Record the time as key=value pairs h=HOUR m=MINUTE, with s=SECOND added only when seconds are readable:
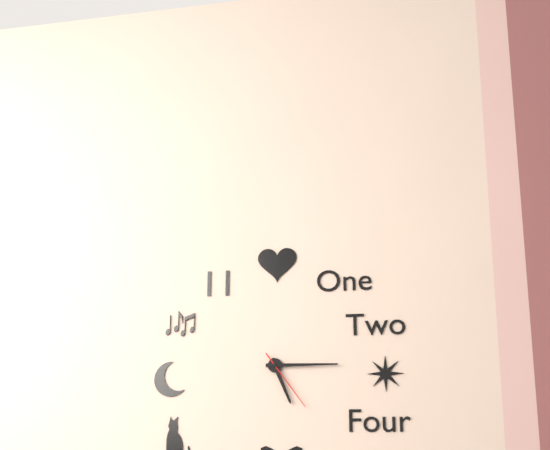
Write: h=5 m=15 s=24
